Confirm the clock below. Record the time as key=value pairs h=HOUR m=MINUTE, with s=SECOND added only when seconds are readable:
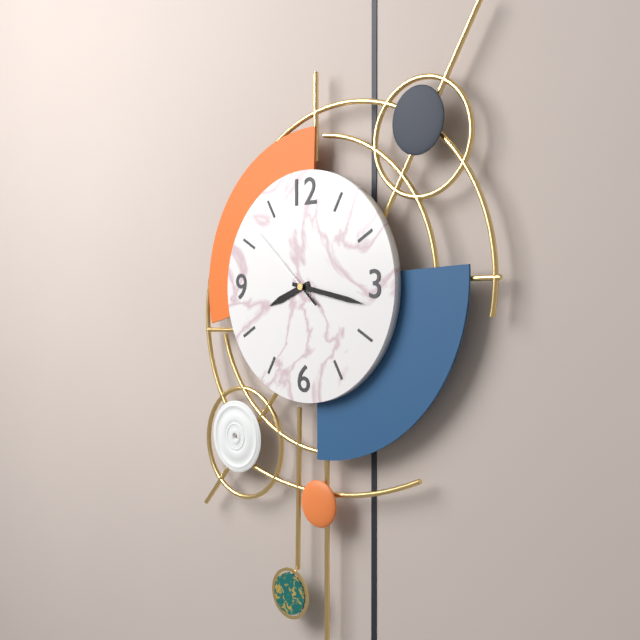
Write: h=8 m=17 s=52
